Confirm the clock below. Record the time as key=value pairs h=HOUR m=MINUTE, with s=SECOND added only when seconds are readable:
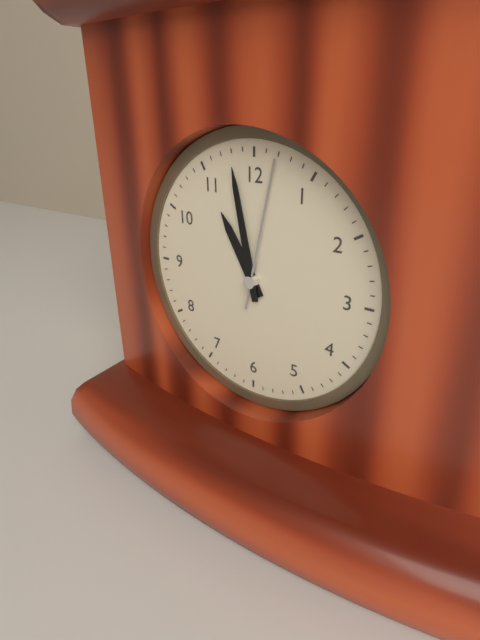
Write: h=10 m=58 s=2
